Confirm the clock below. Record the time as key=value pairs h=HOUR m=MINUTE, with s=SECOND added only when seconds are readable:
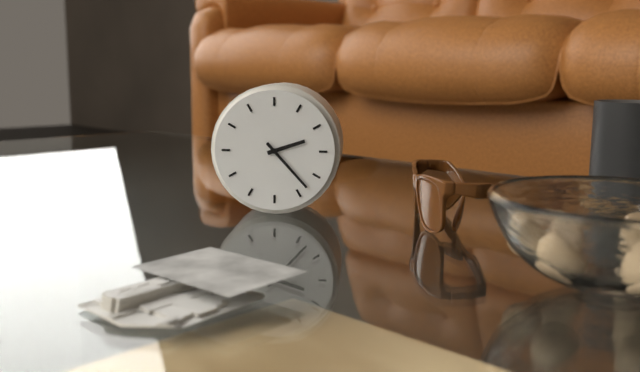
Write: h=2 m=23
